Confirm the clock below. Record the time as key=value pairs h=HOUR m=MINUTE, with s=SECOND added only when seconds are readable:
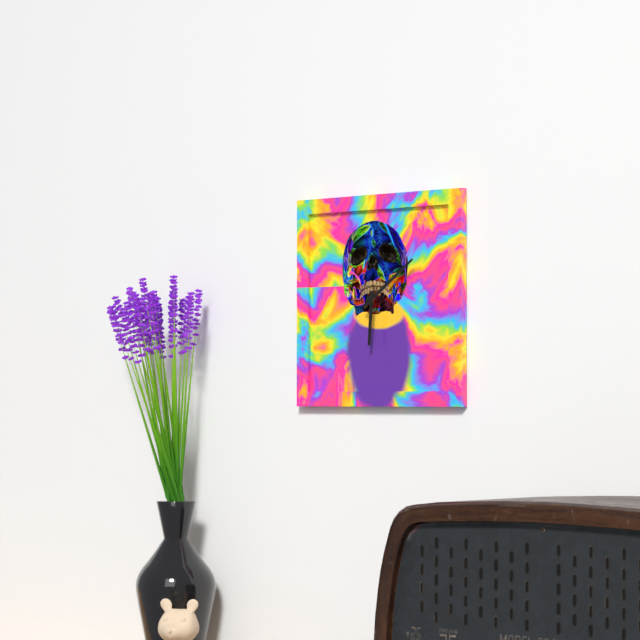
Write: h=6 m=9
